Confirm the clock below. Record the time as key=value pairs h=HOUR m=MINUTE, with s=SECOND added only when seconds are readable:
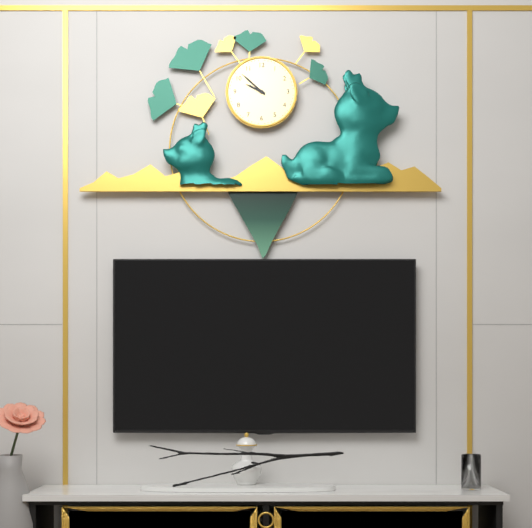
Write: h=9 m=52
